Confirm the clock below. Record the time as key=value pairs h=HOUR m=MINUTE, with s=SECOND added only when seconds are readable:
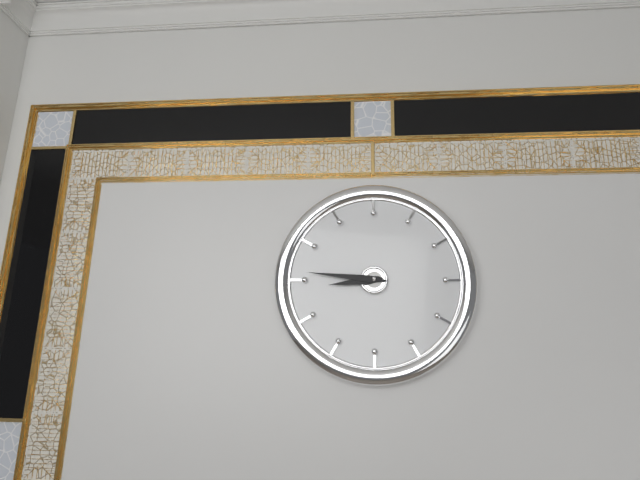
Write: h=8 m=46
